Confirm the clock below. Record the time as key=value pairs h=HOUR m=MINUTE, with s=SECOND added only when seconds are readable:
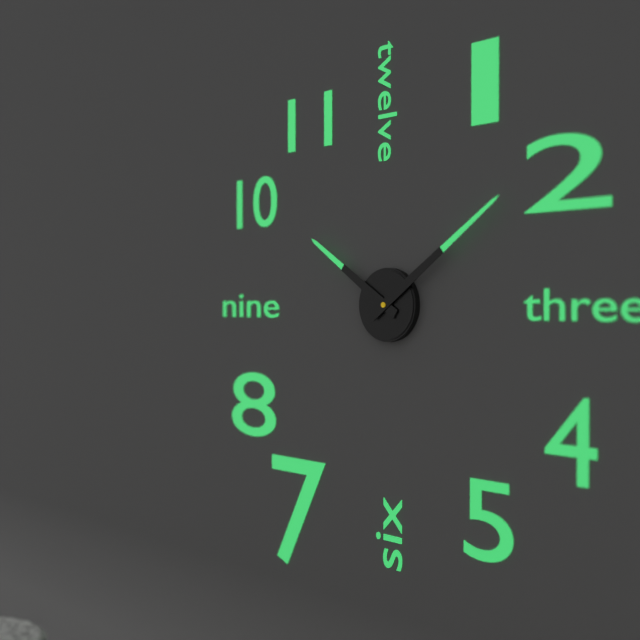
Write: h=10 m=9
